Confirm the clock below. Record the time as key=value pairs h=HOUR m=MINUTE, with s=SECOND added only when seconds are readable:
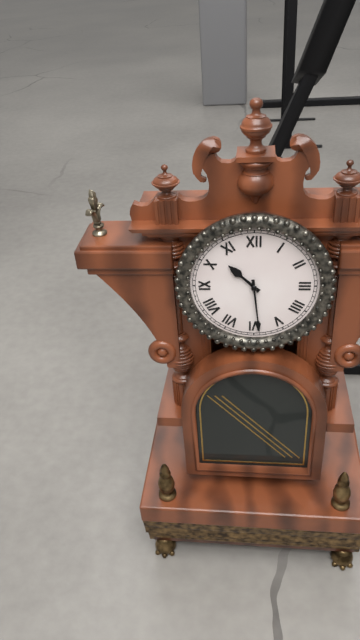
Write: h=10 m=29
